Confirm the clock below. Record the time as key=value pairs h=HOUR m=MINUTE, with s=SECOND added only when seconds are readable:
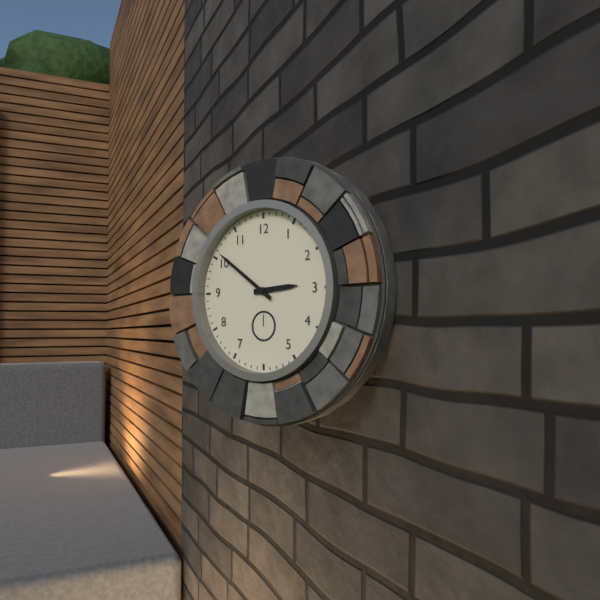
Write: h=2 m=51
